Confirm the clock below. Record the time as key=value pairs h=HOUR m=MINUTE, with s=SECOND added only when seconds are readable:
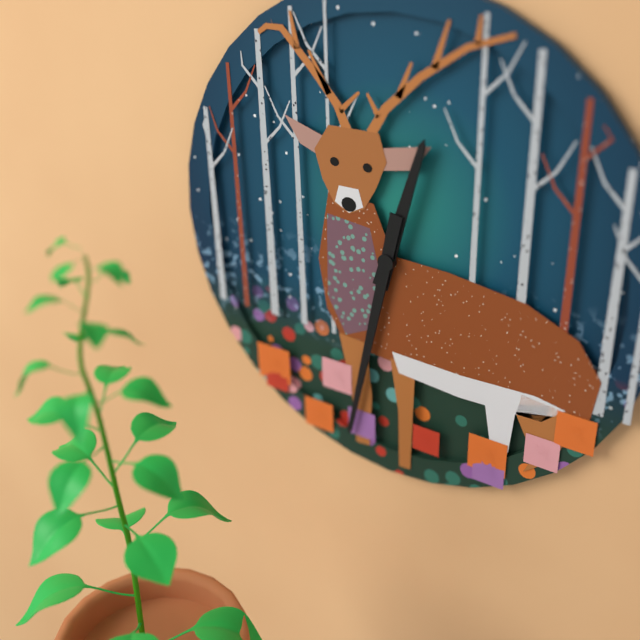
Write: h=12 m=32
